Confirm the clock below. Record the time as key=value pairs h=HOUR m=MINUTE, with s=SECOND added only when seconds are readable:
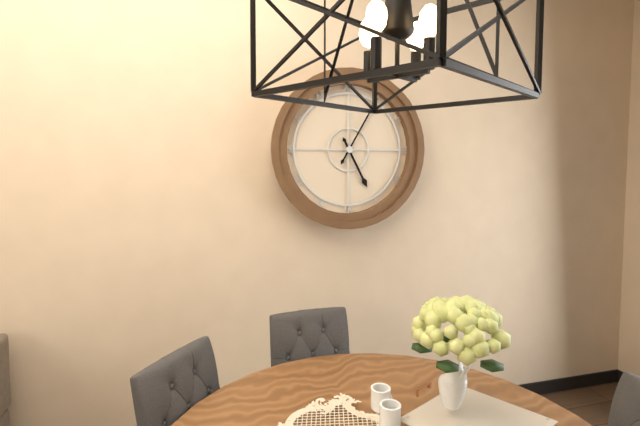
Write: h=5 m=5
